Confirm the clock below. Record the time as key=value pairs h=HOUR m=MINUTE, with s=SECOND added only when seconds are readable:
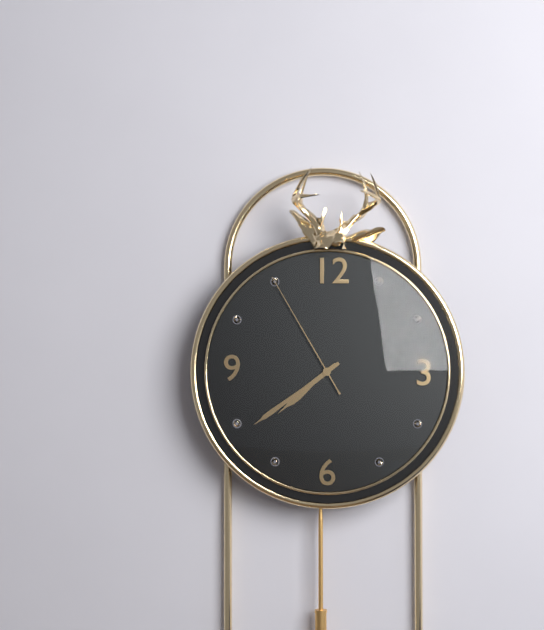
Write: h=7 m=39 s=55
